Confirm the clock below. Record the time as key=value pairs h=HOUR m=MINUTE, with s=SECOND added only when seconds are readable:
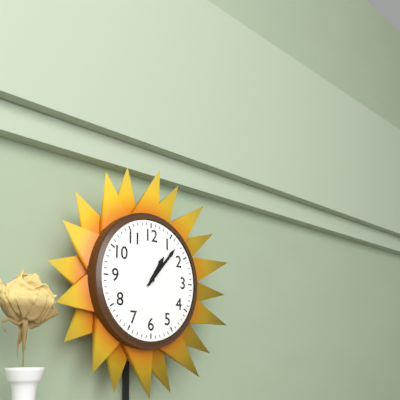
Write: h=1 m=7
